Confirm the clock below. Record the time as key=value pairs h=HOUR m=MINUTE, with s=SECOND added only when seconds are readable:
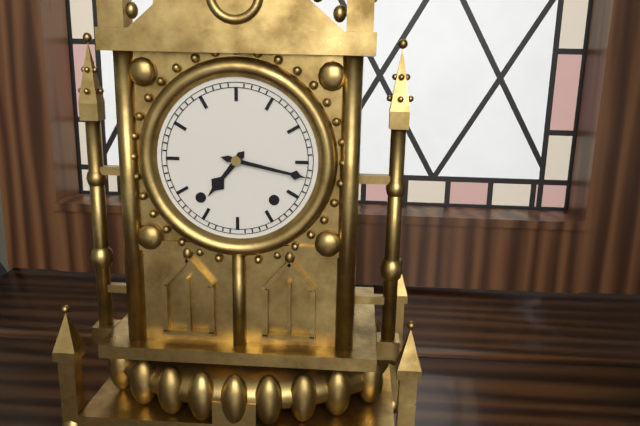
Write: h=7 m=17
